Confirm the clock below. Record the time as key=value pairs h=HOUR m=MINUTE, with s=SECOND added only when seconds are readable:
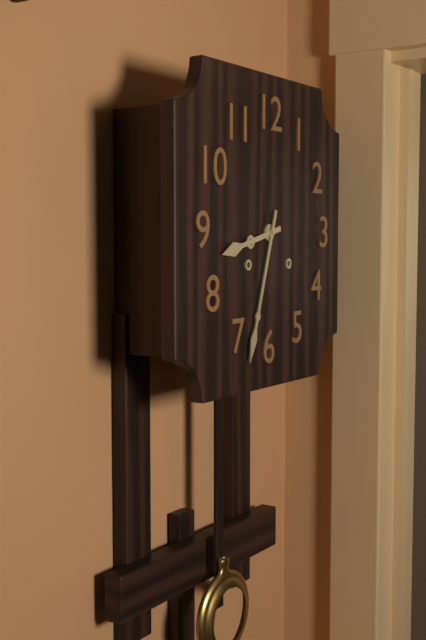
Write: h=8 m=33
